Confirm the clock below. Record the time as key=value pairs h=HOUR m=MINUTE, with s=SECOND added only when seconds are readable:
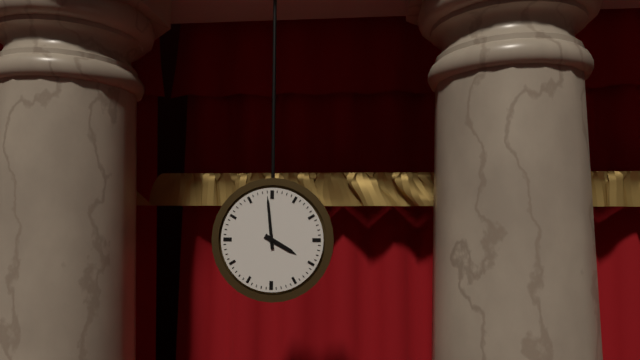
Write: h=3 m=59
